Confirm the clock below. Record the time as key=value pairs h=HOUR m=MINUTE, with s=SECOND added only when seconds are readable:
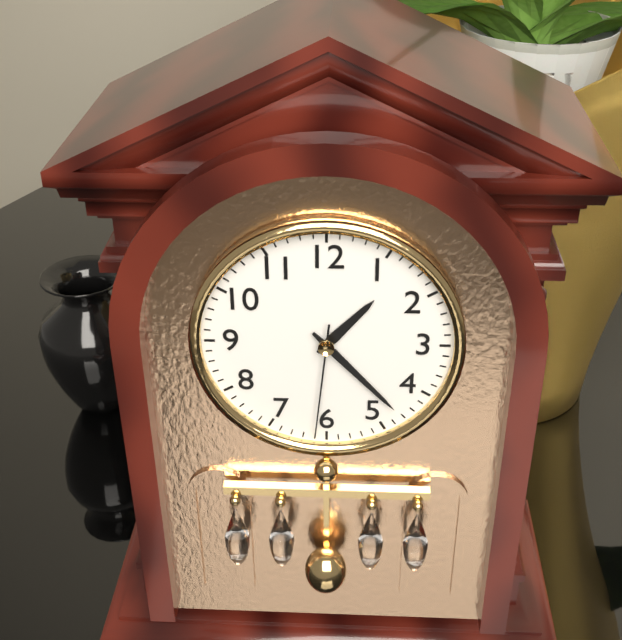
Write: h=1 m=23 s=31
